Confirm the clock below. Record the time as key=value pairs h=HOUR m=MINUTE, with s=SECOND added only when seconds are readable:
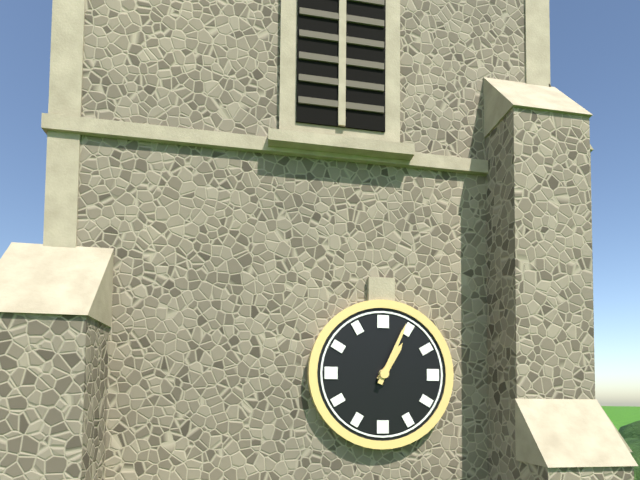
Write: h=1 m=4
